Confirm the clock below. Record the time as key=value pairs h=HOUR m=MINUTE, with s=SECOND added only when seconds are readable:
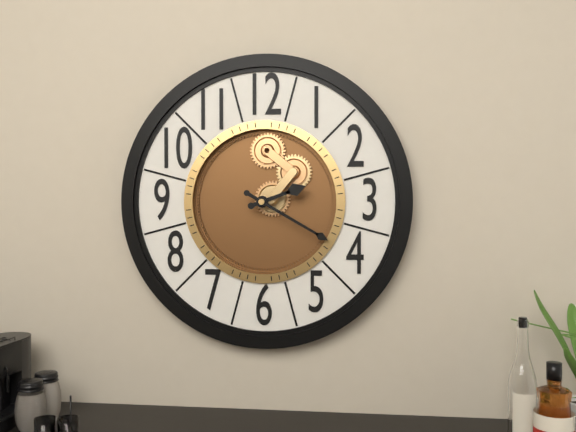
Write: h=2 m=20
